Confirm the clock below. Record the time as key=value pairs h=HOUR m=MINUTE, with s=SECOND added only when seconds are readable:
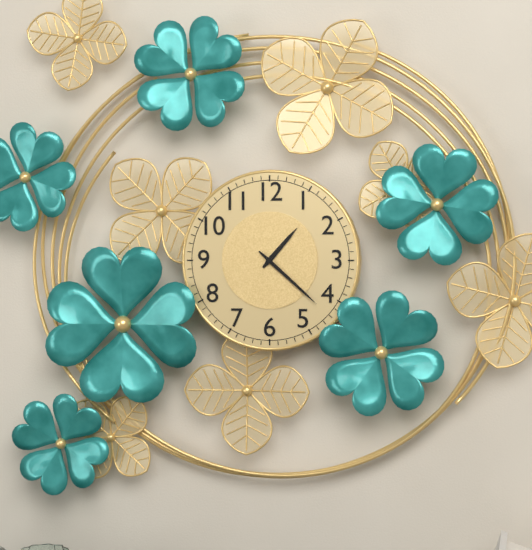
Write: h=1 m=22
